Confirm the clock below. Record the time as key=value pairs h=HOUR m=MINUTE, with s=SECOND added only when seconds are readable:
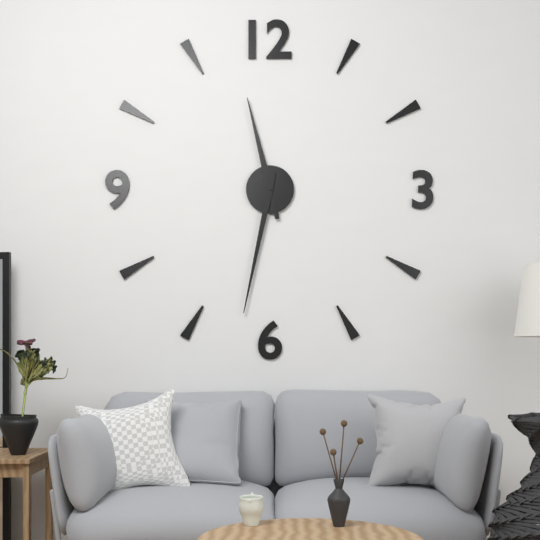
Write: h=11 m=32
